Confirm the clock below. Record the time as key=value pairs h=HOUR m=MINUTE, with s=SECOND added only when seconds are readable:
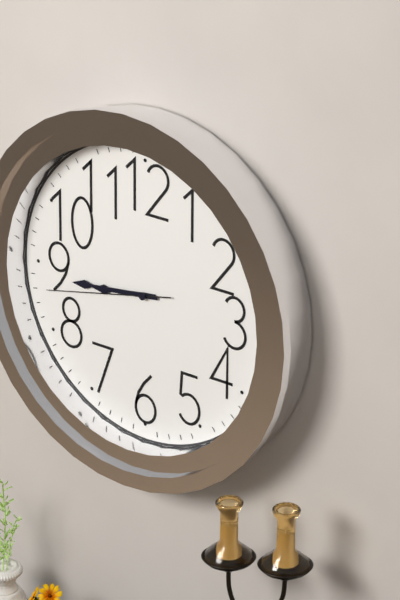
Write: h=8 m=44 s=43
